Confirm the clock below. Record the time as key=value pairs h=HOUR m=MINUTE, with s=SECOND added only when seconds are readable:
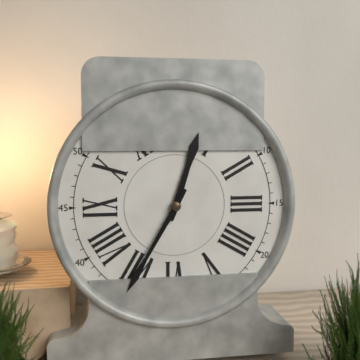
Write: h=12 m=35
